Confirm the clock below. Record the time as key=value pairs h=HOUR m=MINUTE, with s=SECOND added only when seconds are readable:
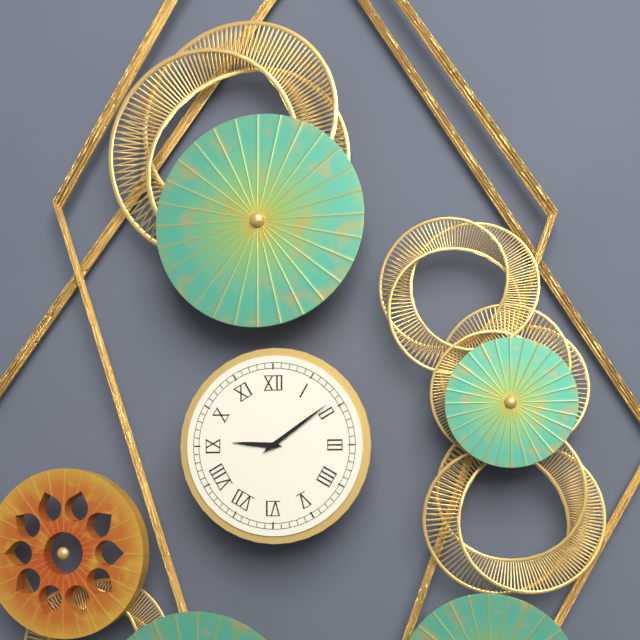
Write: h=9 m=9
